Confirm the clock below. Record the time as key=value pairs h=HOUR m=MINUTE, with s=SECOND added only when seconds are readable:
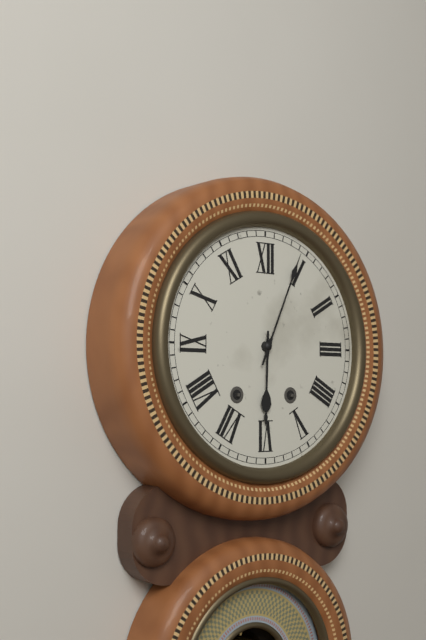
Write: h=6 m=4
